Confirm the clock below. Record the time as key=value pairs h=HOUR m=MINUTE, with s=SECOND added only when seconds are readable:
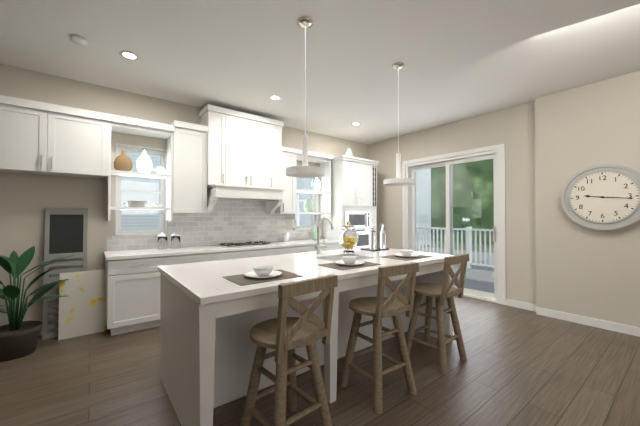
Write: h=9 m=16
